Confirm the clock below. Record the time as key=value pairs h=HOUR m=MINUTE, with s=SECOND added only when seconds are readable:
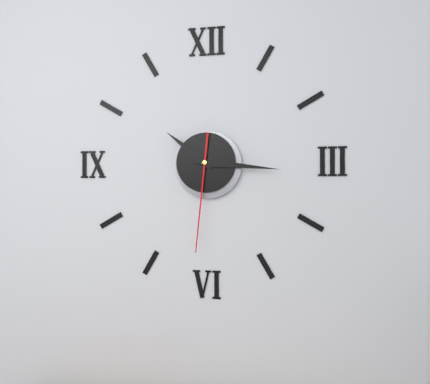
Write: h=10 m=16 s=31
